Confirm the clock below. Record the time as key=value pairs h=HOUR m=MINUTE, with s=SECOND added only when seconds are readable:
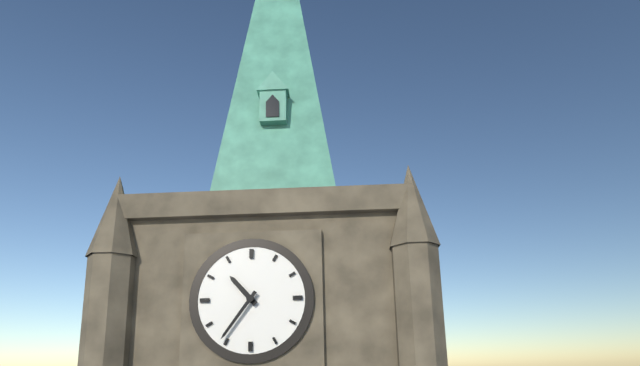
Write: h=10 m=36
